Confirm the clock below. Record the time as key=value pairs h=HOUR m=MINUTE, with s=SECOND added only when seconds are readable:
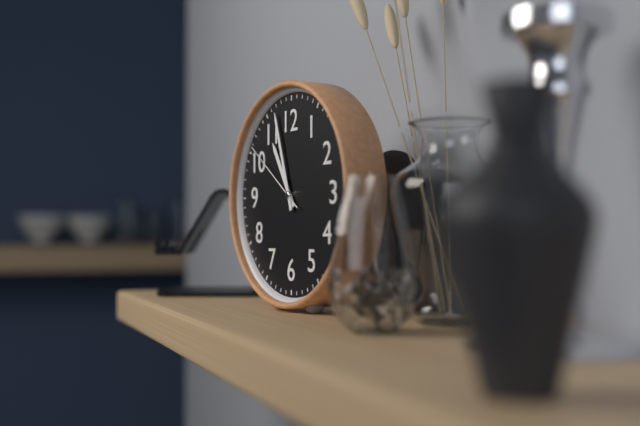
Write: h=10 m=57 s=51
